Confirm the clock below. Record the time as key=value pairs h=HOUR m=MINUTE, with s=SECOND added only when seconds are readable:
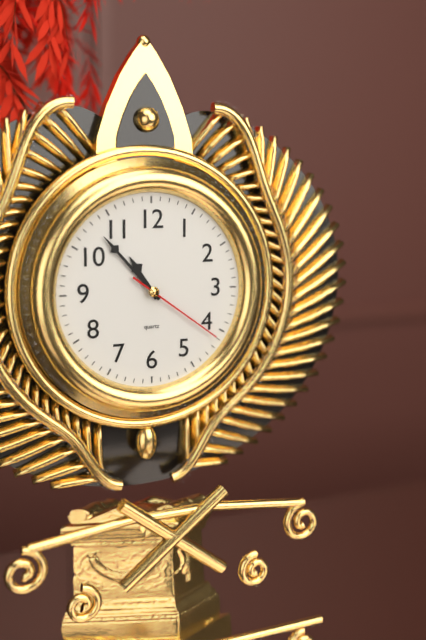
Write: h=10 m=53 s=21
